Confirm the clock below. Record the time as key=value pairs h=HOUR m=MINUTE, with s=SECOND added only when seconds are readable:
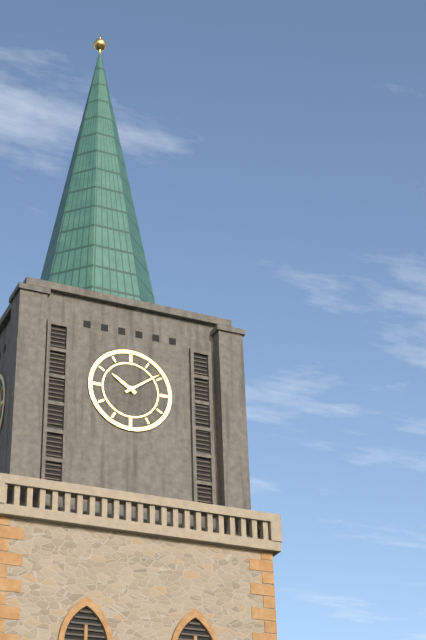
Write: h=10 m=9
